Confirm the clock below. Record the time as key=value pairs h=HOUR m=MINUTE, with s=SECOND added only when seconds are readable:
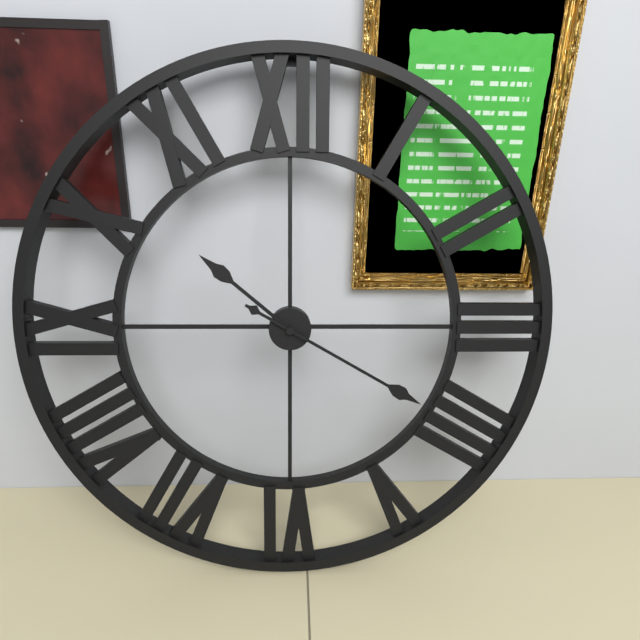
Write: h=10 m=20
